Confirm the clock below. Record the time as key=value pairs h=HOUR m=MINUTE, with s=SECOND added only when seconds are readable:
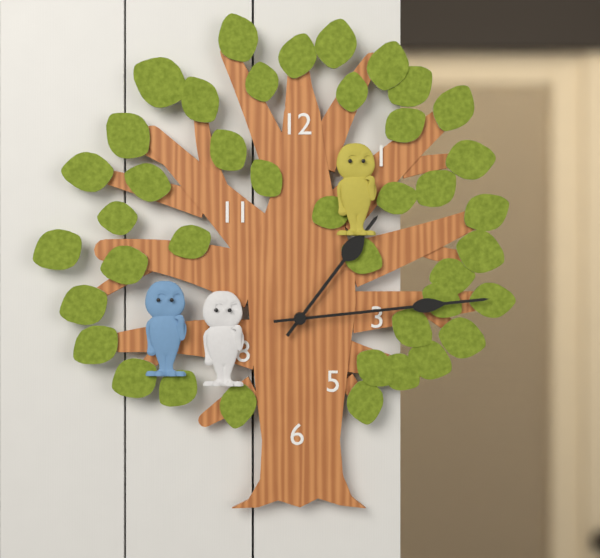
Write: h=1 m=14
